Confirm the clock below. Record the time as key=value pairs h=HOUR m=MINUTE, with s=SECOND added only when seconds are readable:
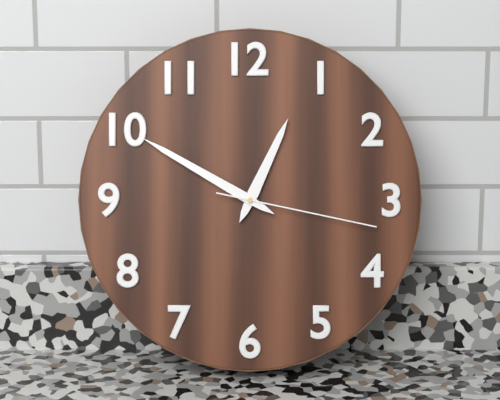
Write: h=12 m=50 s=17
